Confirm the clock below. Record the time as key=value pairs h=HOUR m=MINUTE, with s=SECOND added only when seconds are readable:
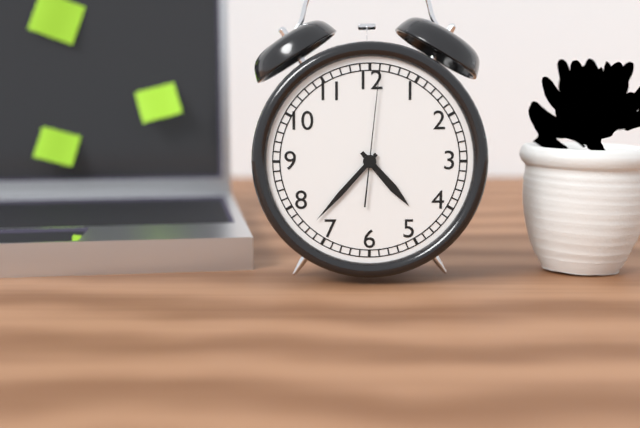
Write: h=4 m=37 s=1
